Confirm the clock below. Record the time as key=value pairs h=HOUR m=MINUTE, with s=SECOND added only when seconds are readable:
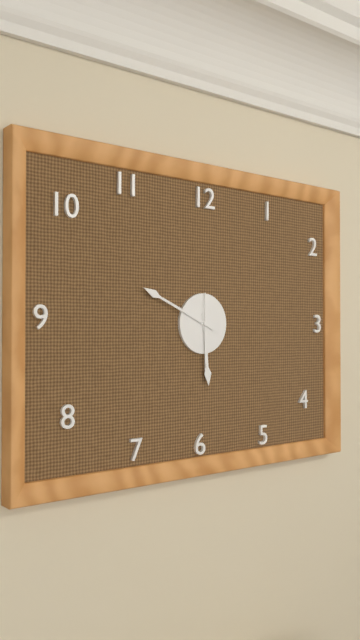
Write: h=5 m=49 s=30
